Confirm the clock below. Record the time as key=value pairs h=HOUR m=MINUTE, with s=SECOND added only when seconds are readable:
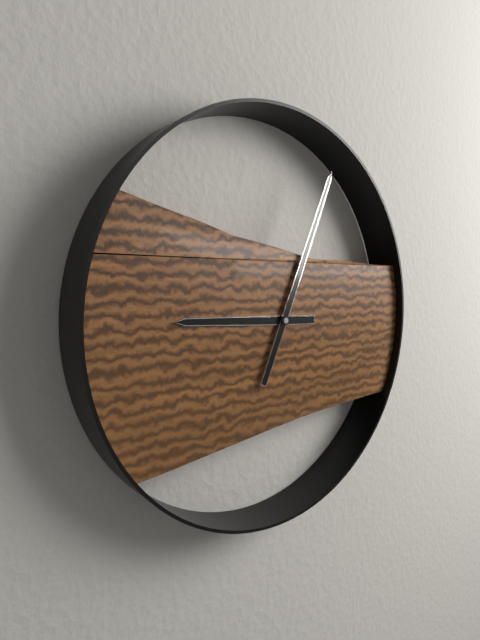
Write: h=9 m=4
